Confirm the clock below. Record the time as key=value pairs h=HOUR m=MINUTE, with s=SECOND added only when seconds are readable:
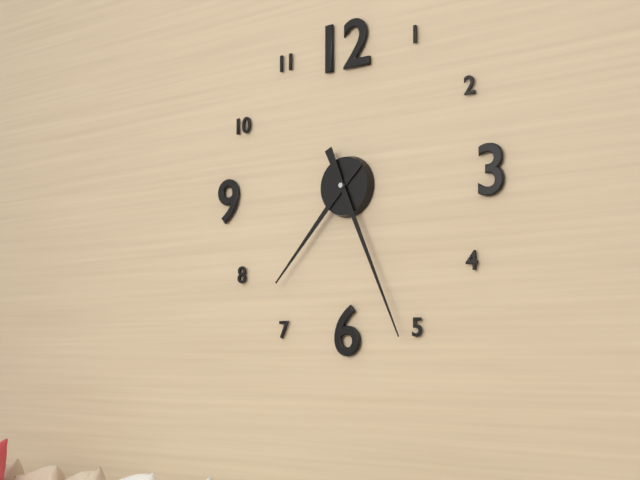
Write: h=7 m=26
